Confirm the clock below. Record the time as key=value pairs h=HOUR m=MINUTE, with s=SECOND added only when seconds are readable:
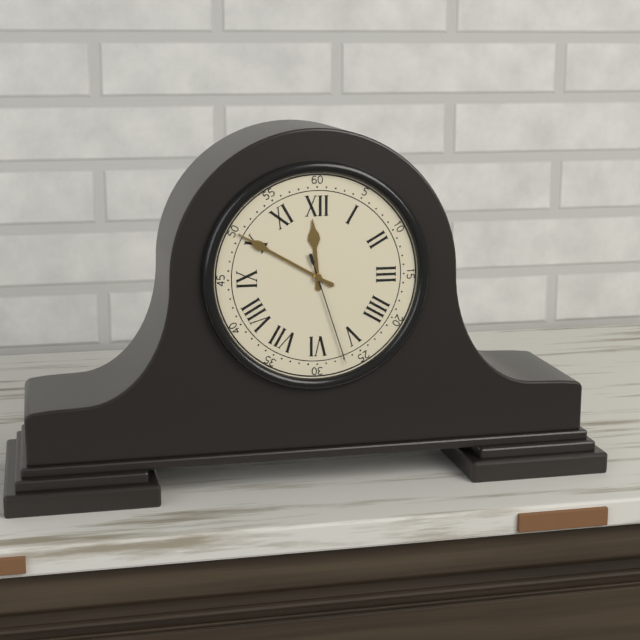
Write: h=11 m=50 s=27
